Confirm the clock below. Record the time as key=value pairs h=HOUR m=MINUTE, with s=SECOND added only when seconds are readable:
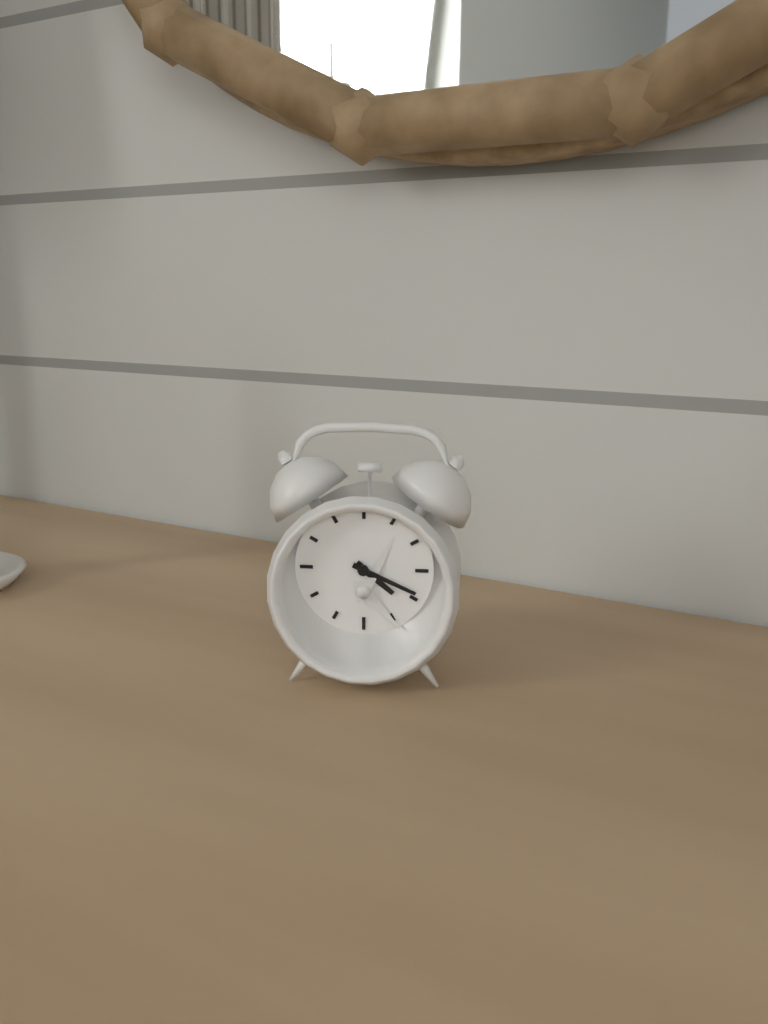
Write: h=4 m=19
